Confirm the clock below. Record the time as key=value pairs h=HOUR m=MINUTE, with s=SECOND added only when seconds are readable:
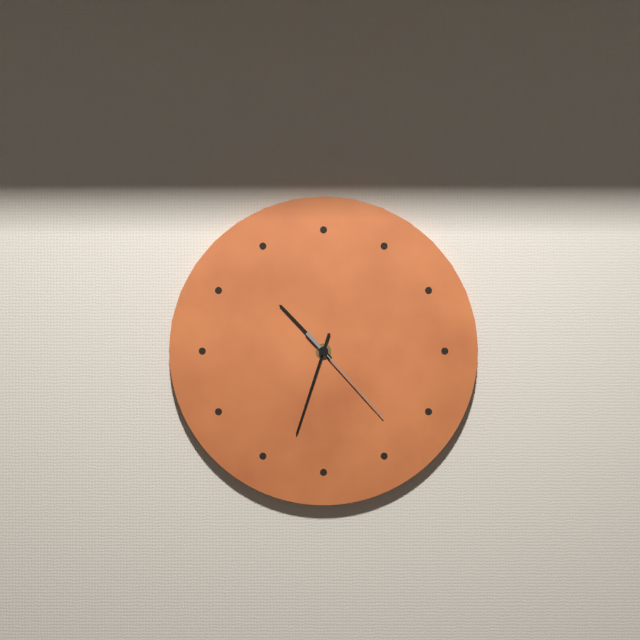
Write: h=10 m=33 s=23
